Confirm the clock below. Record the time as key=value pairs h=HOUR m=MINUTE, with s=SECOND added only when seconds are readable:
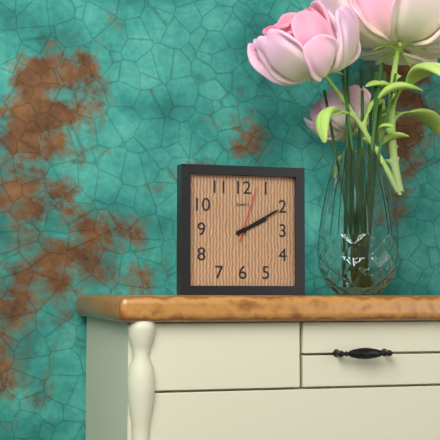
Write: h=2 m=10 s=3
